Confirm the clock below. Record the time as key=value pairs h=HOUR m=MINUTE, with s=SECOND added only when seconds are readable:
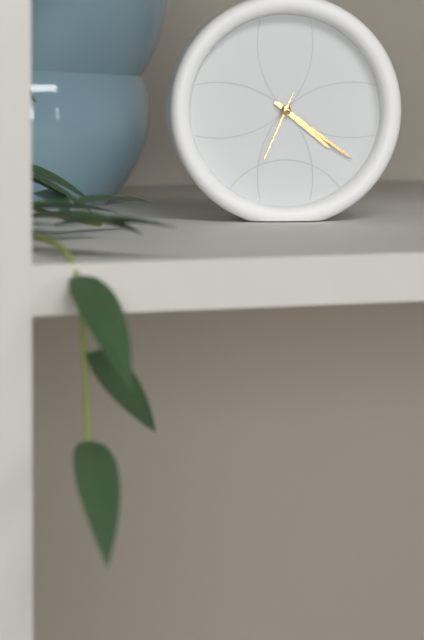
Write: h=4 m=21 s=34
